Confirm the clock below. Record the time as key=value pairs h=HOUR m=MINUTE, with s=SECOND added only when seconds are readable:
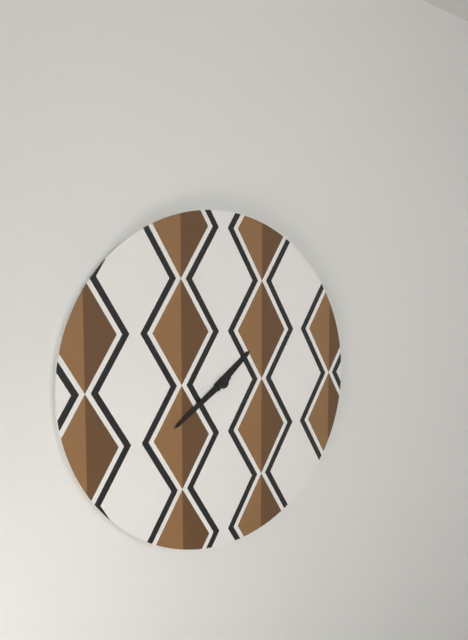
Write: h=1 m=39
